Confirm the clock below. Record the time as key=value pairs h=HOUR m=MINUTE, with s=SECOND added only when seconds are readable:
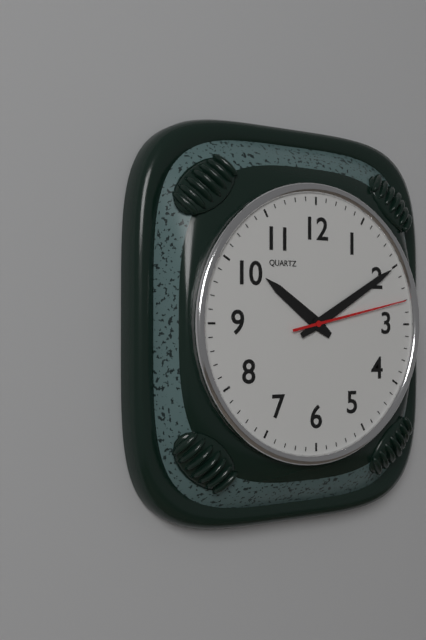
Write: h=10 m=10 s=13
